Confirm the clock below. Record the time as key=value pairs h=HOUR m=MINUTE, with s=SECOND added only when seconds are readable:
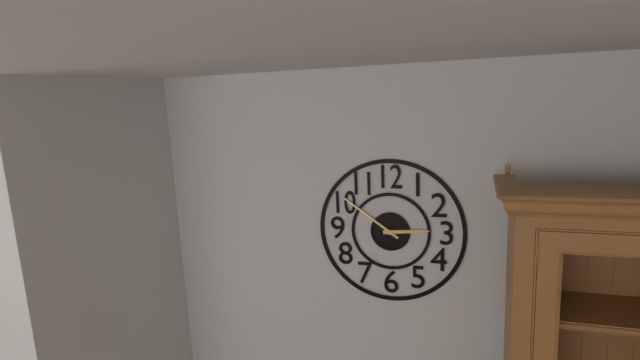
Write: h=2 m=51
